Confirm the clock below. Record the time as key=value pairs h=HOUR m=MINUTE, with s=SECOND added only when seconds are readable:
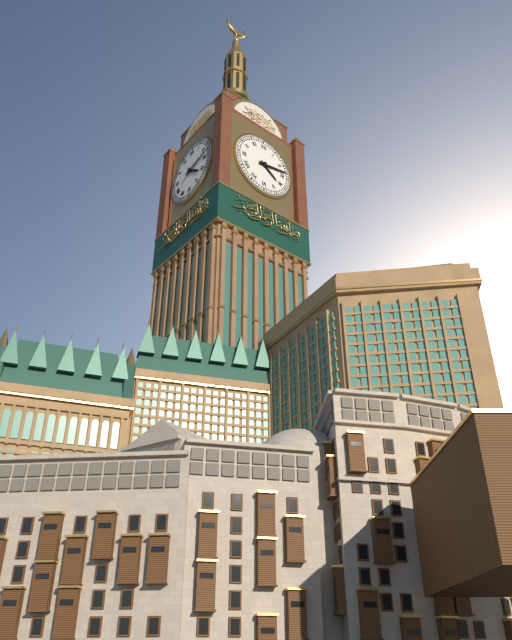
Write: h=4 m=13
